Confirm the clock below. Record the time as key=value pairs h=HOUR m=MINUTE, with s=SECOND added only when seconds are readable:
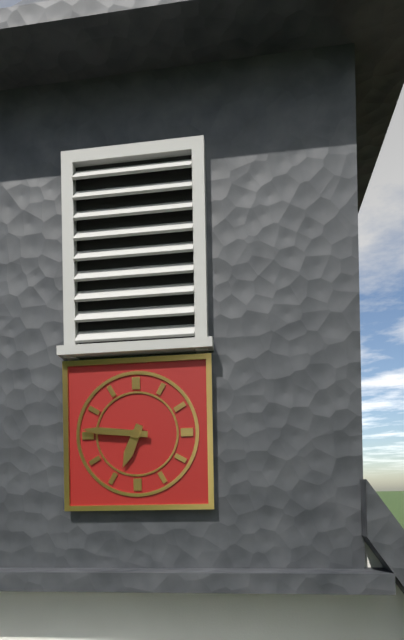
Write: h=6 m=46
